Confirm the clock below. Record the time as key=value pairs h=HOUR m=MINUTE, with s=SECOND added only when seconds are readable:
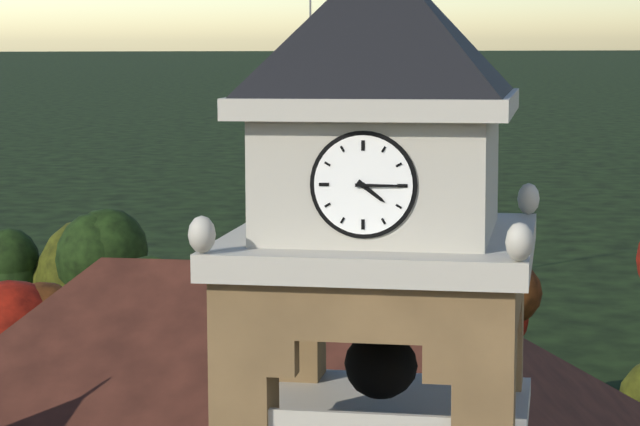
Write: h=4 m=15
